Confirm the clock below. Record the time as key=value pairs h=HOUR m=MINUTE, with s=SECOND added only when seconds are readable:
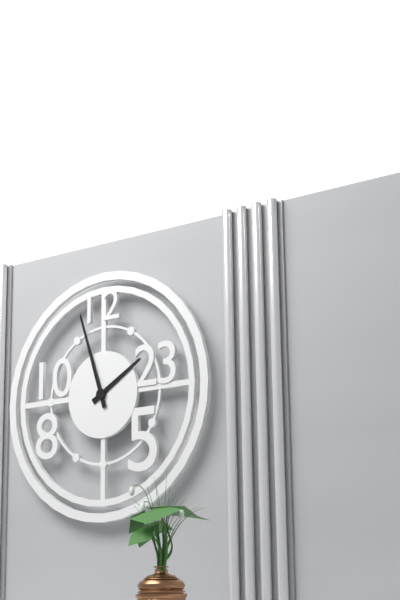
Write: h=1 m=57
